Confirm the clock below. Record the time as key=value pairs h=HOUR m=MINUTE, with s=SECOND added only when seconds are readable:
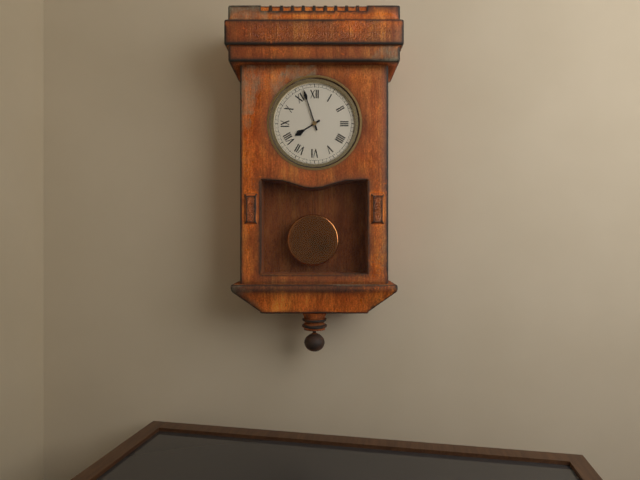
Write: h=7 m=57
